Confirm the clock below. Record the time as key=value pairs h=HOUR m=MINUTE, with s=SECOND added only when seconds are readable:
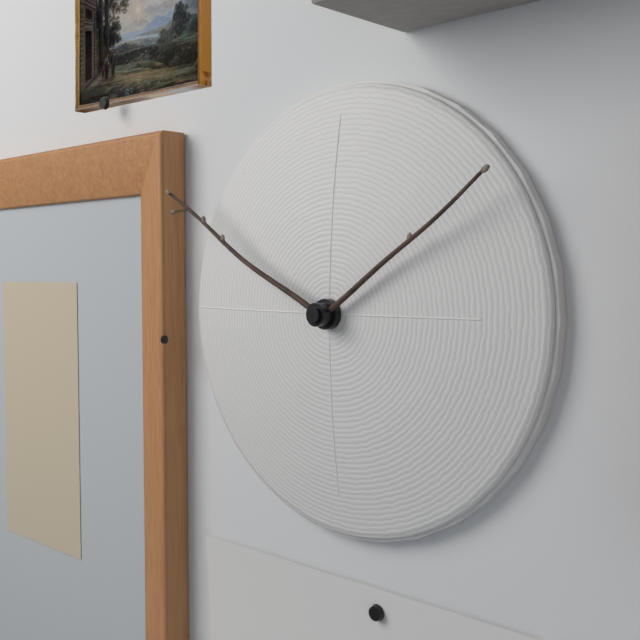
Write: h=1 m=50
